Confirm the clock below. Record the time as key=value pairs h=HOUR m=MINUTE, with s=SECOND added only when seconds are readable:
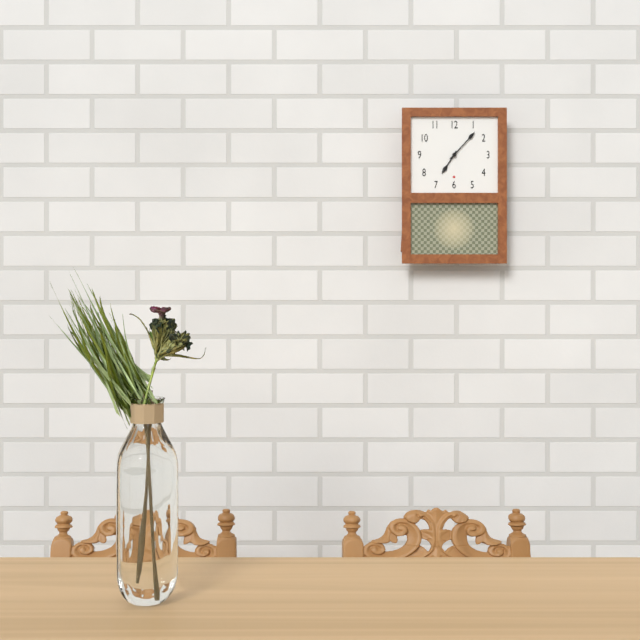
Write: h=7 m=7
